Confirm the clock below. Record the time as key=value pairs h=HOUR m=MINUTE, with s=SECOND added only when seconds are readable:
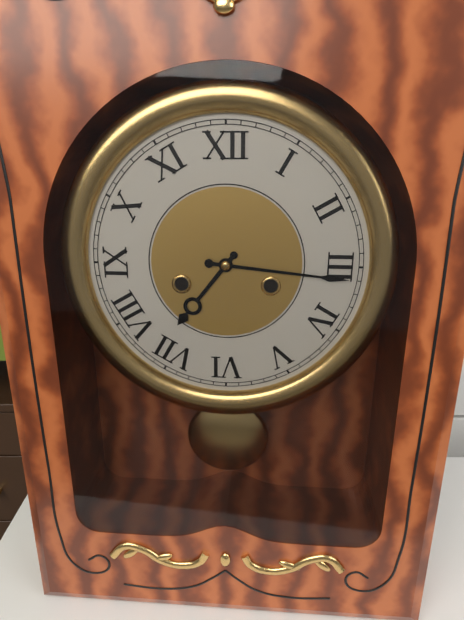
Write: h=7 m=16
